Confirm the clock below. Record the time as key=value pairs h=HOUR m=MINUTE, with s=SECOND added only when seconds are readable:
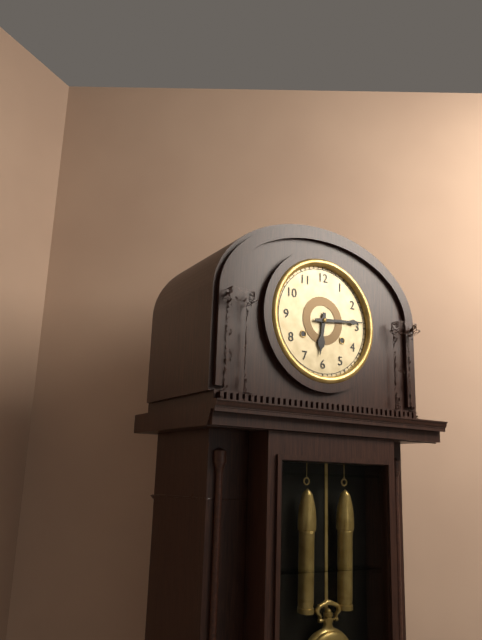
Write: h=6 m=14
